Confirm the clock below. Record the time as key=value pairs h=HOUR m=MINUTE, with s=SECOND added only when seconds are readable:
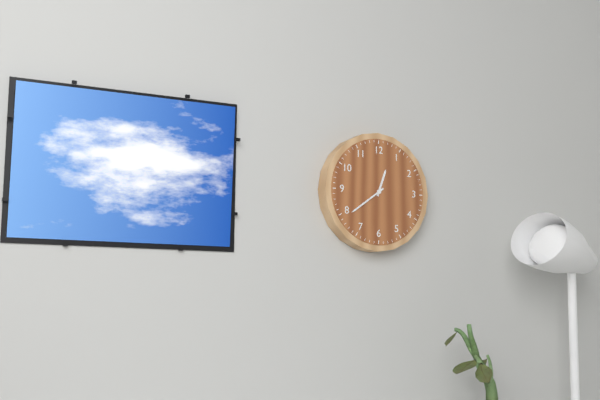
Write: h=12 m=39
